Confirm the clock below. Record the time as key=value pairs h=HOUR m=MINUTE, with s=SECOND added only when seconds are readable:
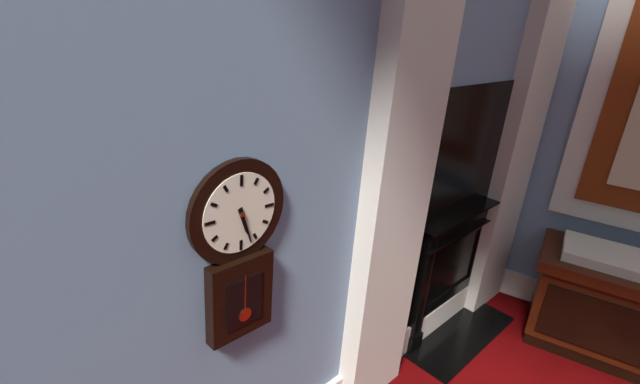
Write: h=5 m=27
